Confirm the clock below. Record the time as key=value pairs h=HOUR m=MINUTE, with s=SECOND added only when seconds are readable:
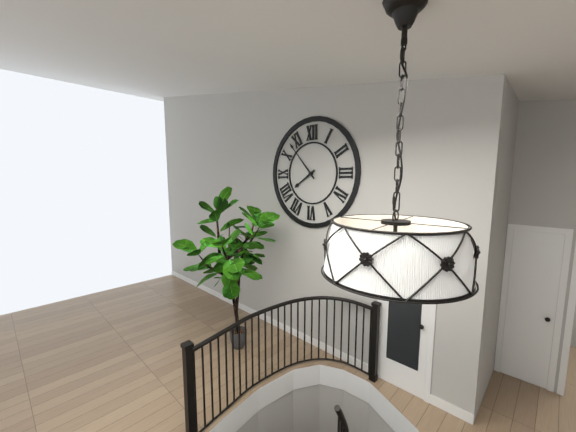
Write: h=7 m=53
